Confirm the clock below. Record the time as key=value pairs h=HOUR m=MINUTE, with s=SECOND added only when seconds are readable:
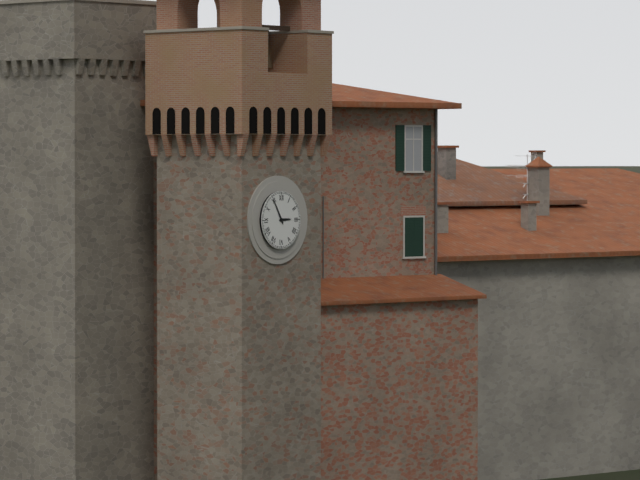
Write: h=2 m=55
